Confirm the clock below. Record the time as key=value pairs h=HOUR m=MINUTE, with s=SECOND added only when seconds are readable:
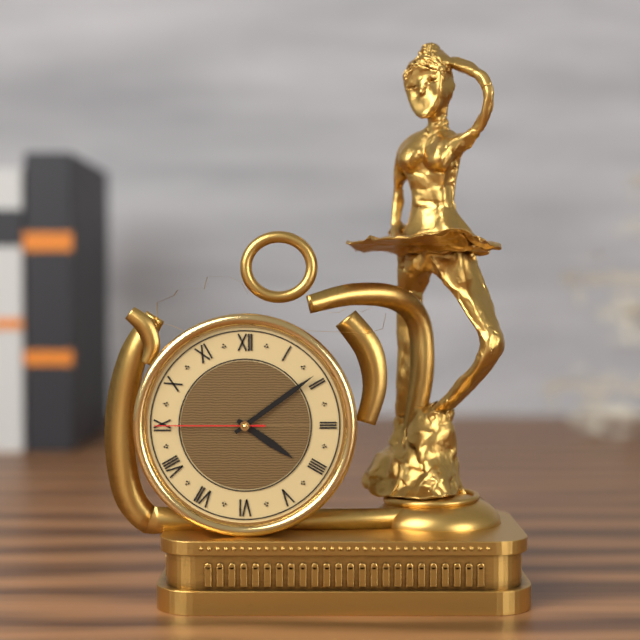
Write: h=4 m=9 s=45
